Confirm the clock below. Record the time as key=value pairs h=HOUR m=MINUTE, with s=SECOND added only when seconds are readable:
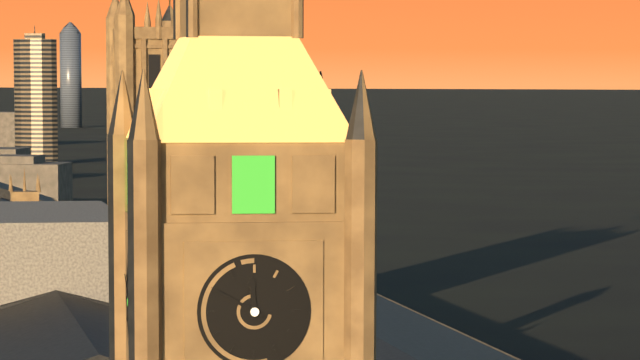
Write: h=11 m=50
